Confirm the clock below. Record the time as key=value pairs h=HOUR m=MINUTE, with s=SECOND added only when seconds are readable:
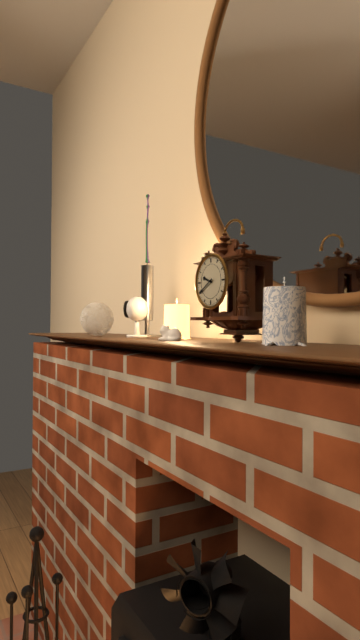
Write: h=9 m=40
